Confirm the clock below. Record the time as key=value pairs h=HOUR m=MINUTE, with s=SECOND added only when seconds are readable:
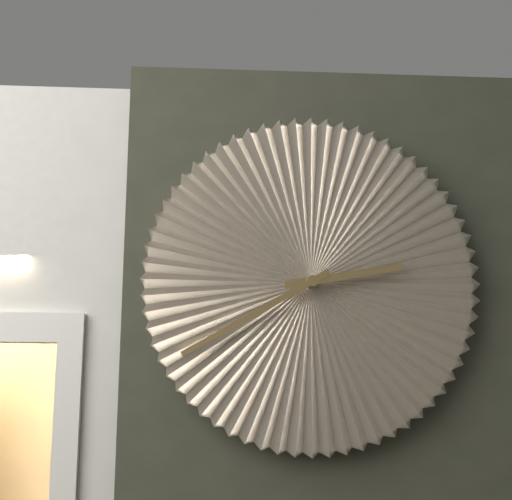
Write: h=2 m=40
